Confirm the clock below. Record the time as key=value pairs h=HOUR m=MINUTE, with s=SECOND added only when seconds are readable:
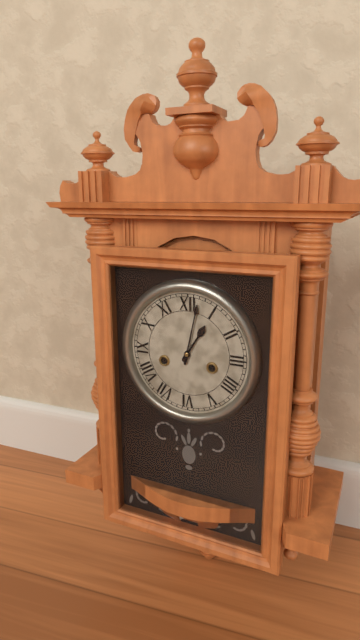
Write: h=1 m=2
